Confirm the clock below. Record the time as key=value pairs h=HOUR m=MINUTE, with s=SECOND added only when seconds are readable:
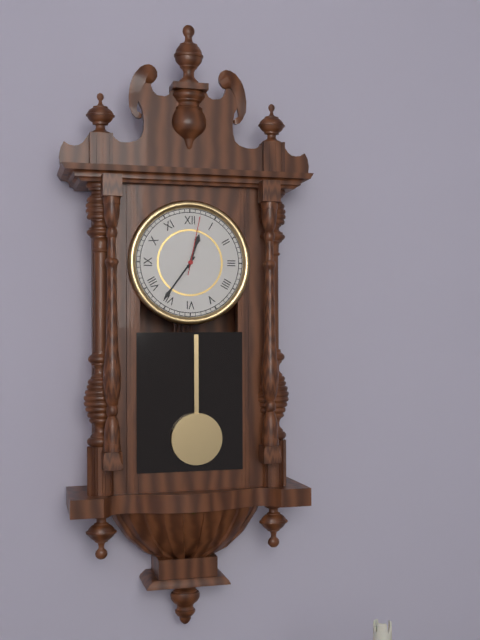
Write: h=12 m=36 s=2
